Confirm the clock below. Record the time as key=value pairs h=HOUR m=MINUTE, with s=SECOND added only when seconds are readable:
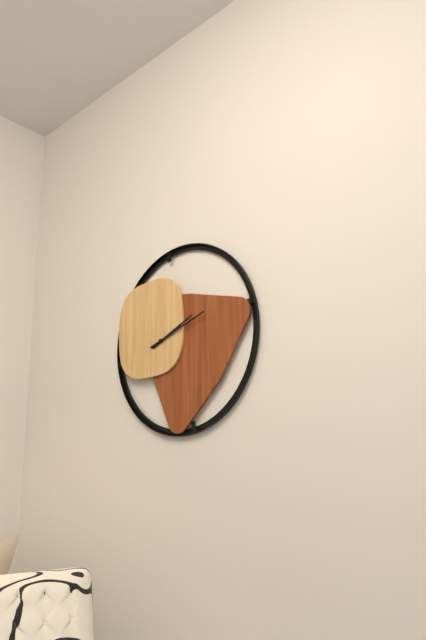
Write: h=2 m=12
